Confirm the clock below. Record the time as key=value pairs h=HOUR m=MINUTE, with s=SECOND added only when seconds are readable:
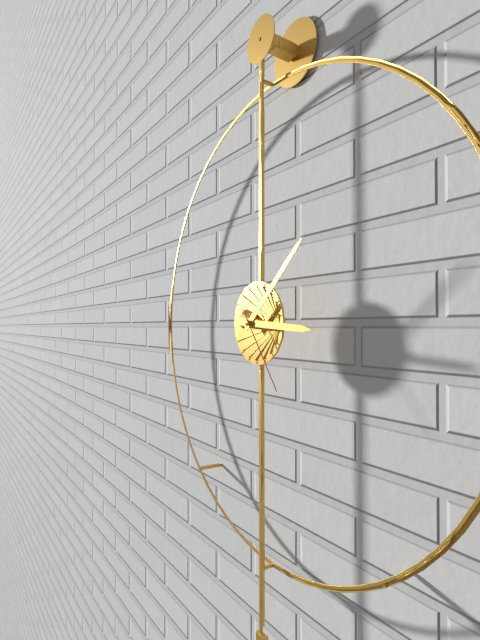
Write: h=3 m=8 s=24
